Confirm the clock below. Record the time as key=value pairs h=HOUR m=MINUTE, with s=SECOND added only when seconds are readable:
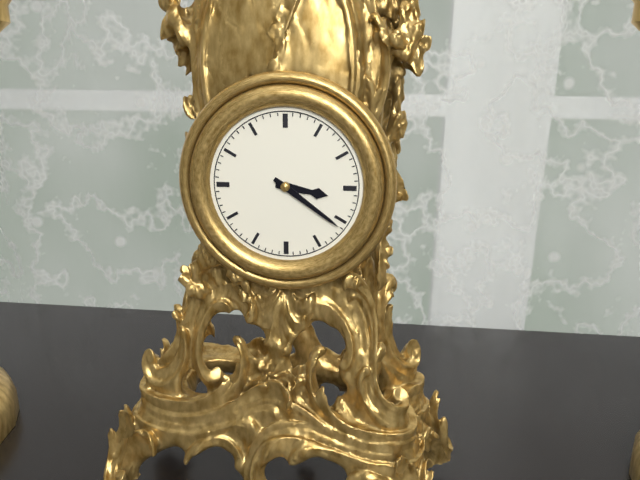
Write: h=3 m=21
